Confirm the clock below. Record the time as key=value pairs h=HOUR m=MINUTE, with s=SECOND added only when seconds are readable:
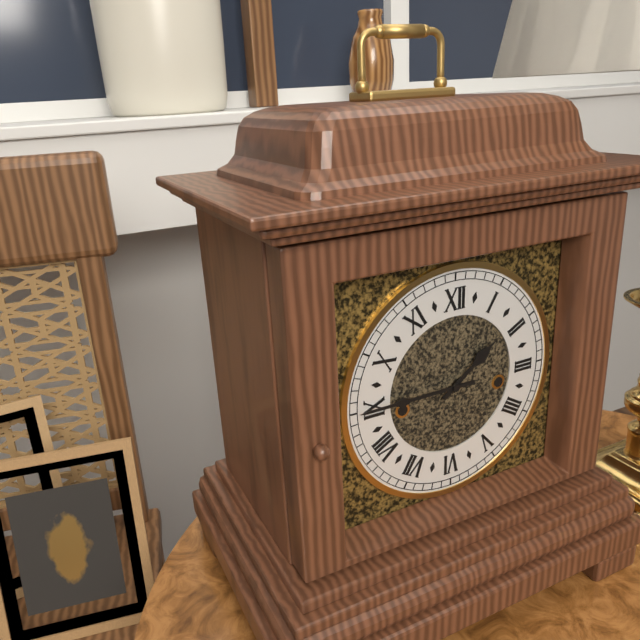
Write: h=1 m=45
